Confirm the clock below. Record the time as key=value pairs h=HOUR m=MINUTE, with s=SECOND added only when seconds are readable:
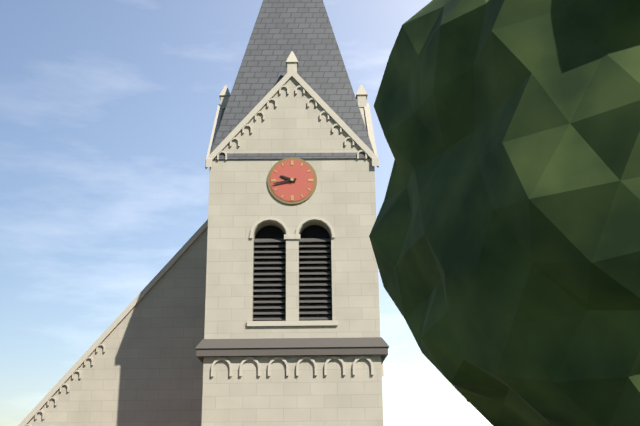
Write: h=9 m=43
